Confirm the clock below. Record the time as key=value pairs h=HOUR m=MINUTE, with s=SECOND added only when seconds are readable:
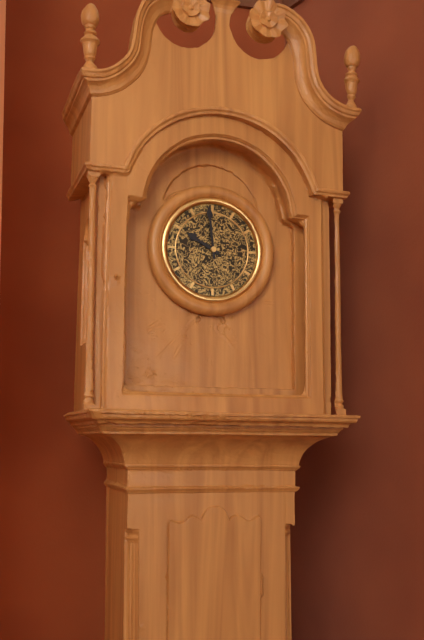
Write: h=9 m=59
